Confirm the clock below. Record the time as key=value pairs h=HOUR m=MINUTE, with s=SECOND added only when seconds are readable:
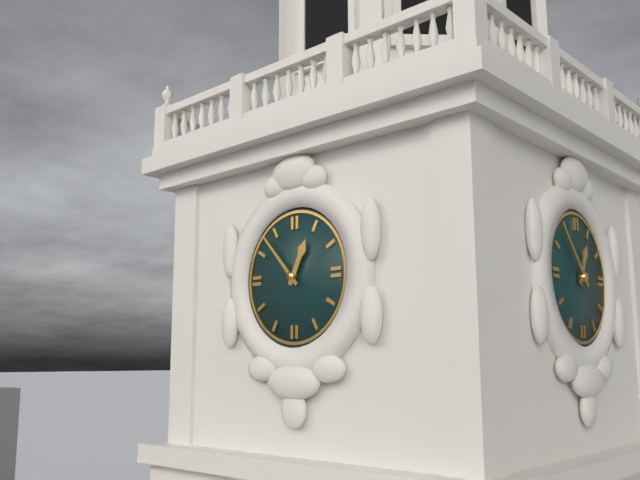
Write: h=12 m=53
